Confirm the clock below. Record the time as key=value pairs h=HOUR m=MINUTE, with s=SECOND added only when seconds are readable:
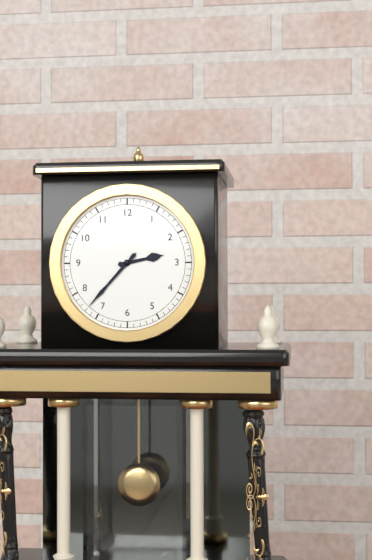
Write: h=2 m=37
